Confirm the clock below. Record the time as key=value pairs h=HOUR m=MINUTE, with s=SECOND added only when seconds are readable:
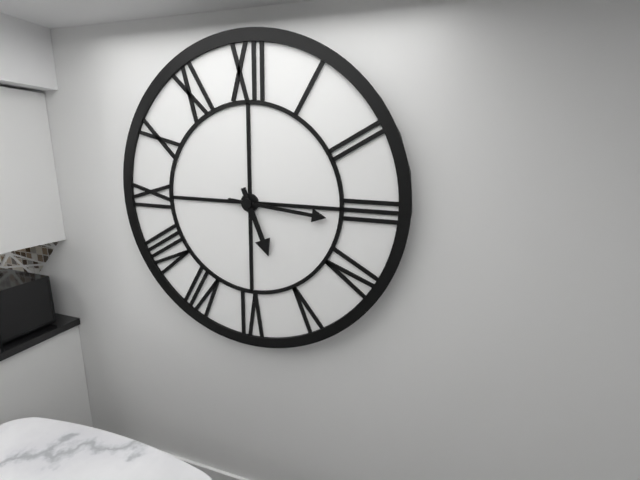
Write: h=5 m=16
